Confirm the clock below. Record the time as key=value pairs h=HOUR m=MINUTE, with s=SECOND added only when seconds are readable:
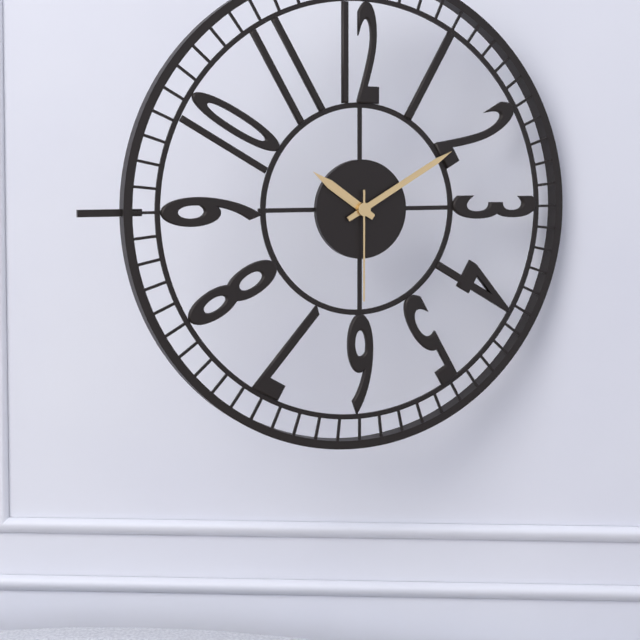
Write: h=10 m=10 s=30
